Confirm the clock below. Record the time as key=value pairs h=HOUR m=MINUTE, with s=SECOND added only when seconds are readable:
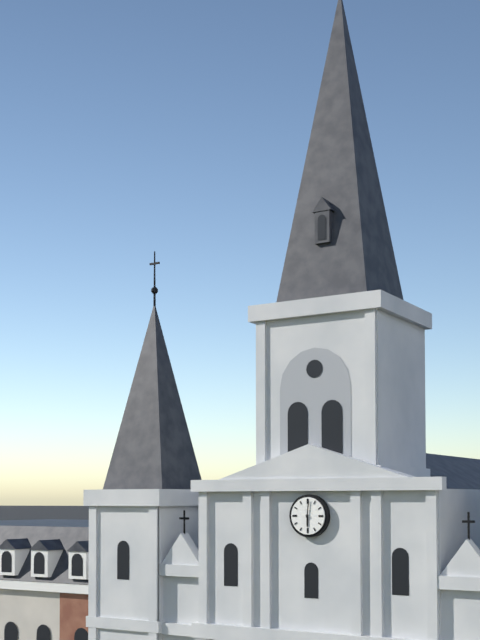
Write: h=6 m=1
